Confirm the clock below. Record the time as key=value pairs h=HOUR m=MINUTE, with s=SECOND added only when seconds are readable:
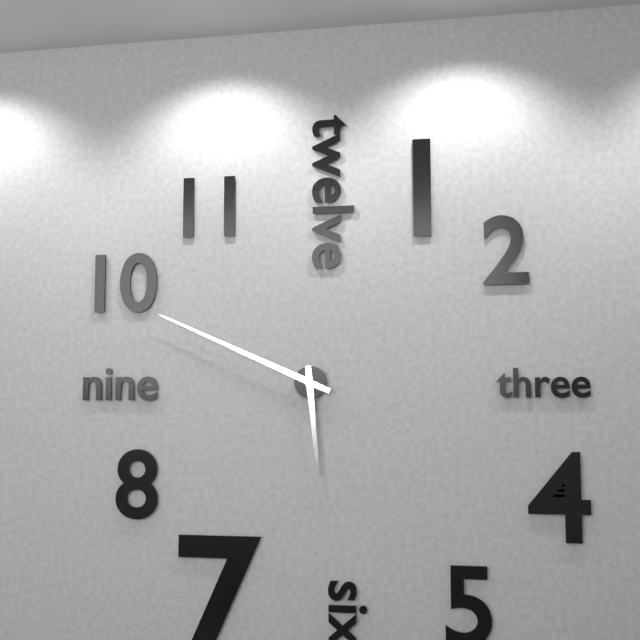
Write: h=5 m=49
